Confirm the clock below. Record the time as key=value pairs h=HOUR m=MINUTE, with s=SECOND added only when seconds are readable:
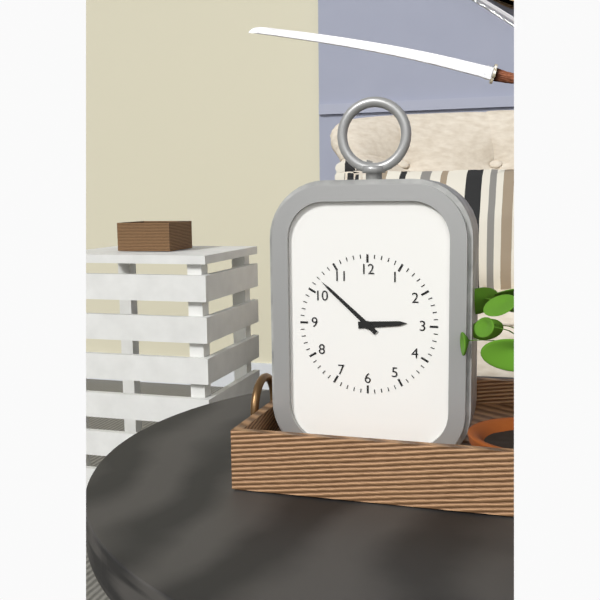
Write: h=2 m=52
